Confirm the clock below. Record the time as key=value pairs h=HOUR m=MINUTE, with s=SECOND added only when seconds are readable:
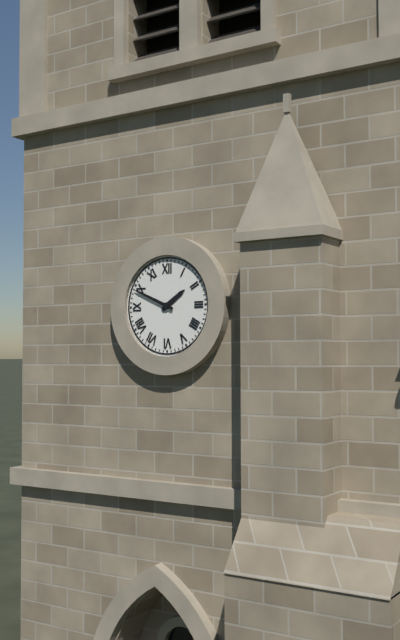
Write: h=1 m=49
